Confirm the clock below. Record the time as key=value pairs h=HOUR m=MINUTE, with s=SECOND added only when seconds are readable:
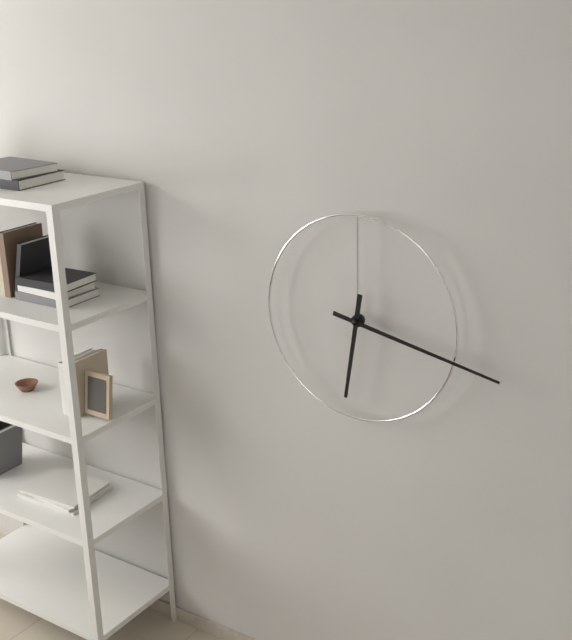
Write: h=6 m=17
